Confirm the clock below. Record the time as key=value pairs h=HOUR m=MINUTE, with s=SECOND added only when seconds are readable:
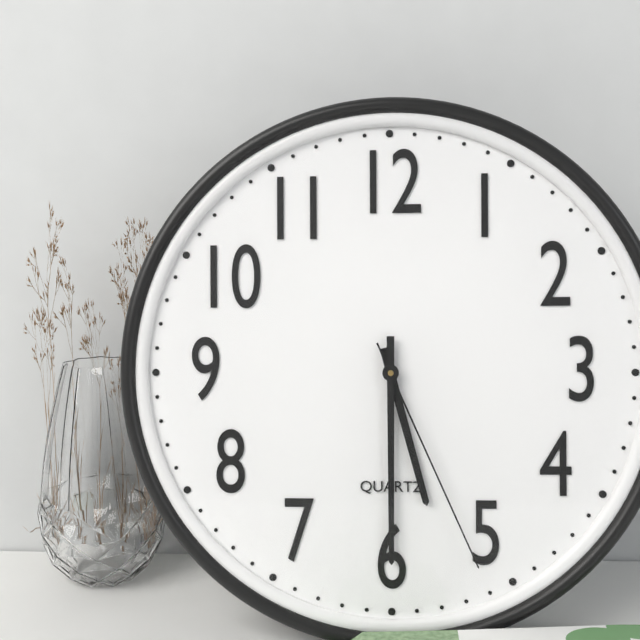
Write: h=5 m=30 s=26
